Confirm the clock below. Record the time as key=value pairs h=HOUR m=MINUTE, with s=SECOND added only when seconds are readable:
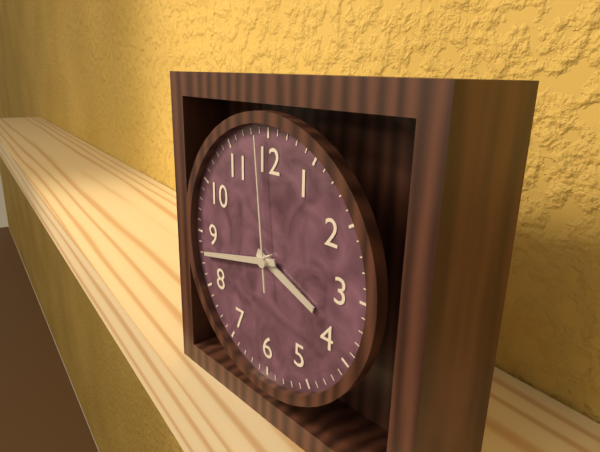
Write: h=3 m=43 s=59
